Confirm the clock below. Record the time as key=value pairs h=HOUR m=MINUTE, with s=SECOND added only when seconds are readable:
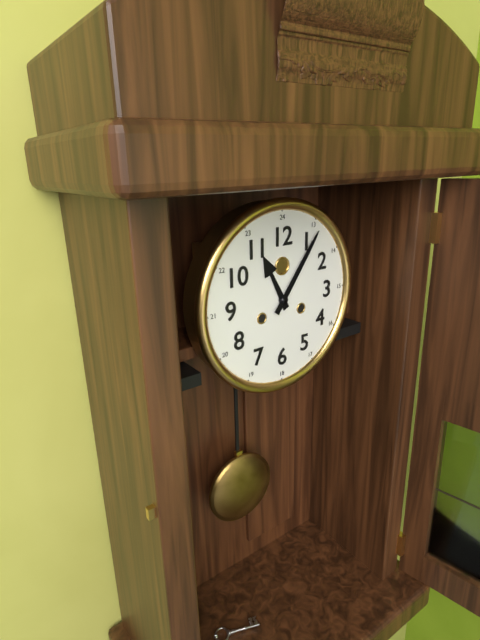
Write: h=11 m=6
